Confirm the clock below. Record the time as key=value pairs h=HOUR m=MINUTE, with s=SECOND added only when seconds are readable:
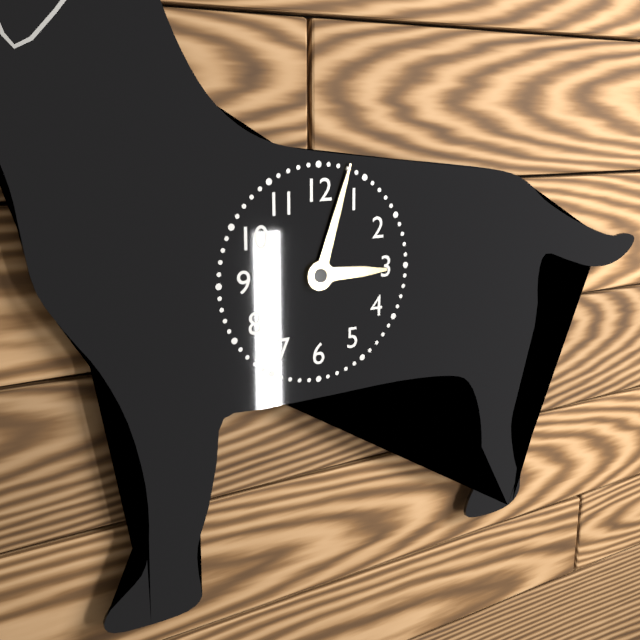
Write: h=3 m=3
